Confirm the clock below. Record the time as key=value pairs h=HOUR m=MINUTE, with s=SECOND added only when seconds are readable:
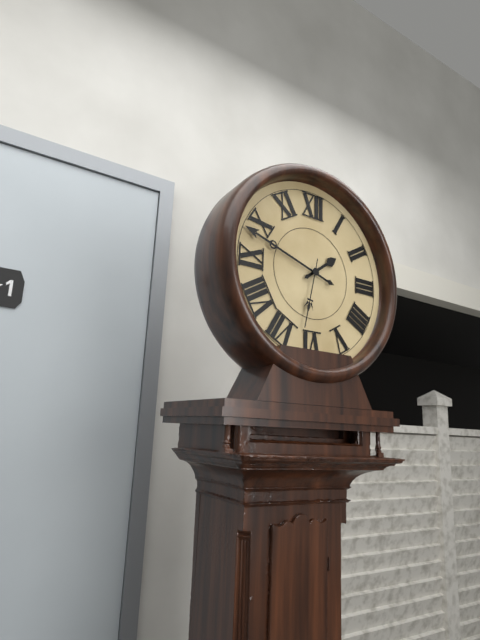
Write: h=1 m=48 s=32
